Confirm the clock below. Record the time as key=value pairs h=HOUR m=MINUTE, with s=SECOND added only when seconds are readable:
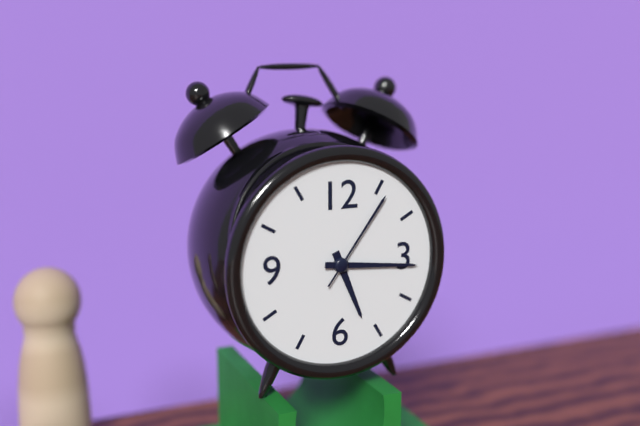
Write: h=5 m=16 s=6
